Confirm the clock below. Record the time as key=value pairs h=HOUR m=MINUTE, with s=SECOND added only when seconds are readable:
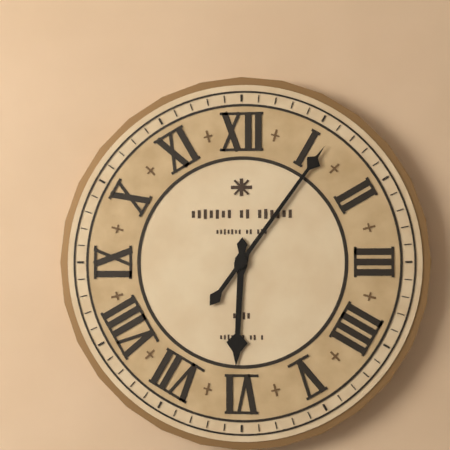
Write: h=6 m=6
